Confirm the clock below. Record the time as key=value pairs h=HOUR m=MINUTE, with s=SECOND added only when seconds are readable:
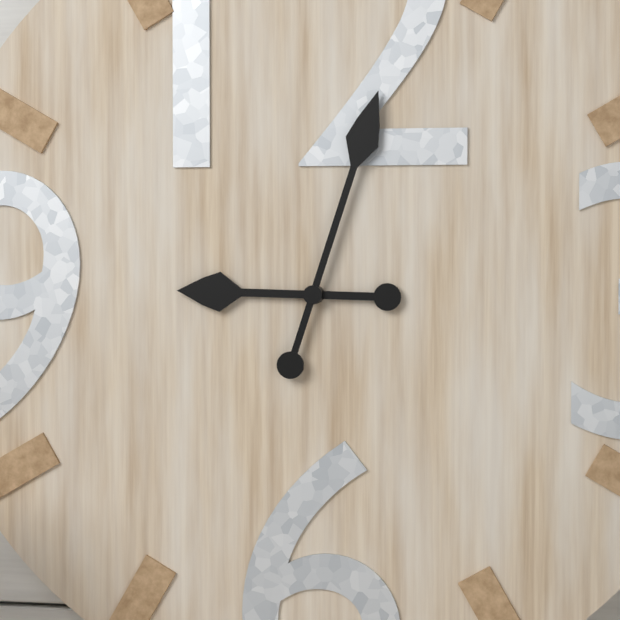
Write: h=9 m=3
